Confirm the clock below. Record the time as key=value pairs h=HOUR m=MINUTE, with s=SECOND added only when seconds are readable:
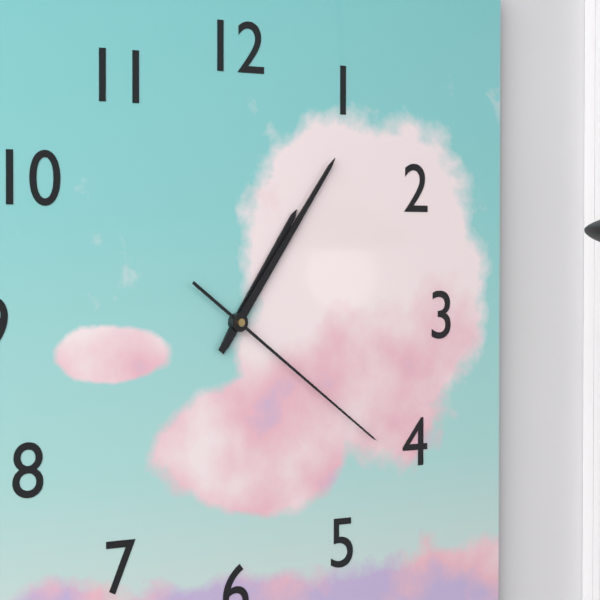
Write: h=1 m=6 s=21
